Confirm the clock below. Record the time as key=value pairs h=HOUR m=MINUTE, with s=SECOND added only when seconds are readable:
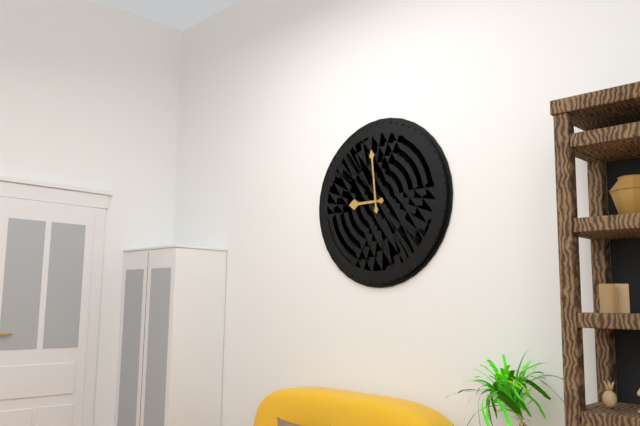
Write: h=8 m=59
